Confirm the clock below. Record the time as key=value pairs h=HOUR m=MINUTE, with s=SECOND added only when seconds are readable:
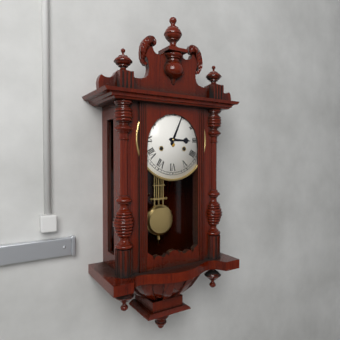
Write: h=3 m=4
